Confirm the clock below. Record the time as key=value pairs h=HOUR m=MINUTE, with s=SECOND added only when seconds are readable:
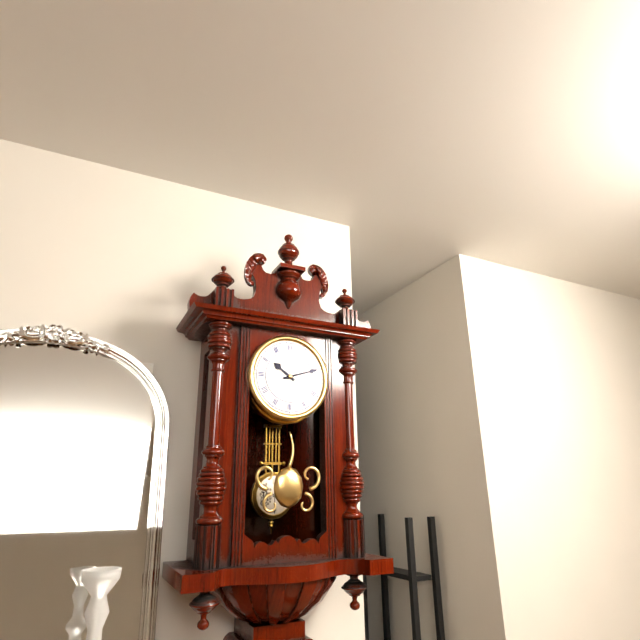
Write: h=10 m=12
